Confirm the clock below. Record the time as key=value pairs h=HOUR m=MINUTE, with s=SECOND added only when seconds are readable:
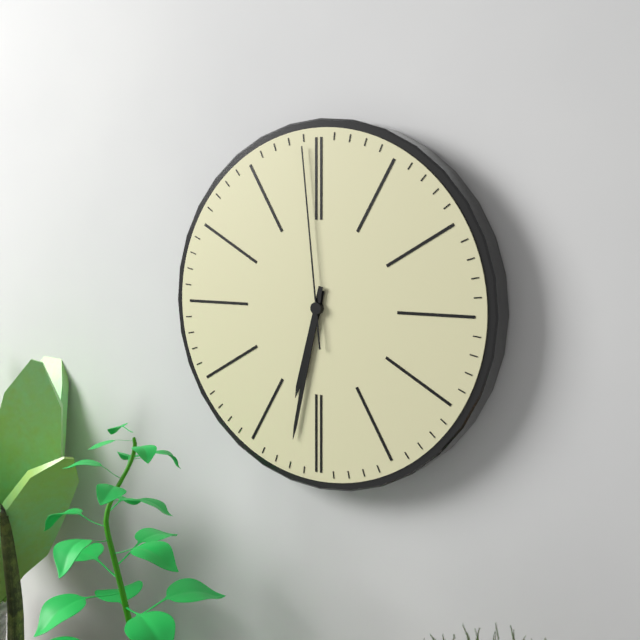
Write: h=6 m=32 s=59
